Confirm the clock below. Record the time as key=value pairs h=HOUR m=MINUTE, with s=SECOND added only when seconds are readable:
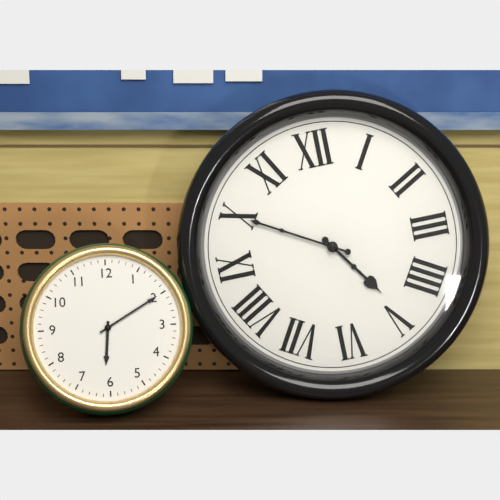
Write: h=4 m=50
